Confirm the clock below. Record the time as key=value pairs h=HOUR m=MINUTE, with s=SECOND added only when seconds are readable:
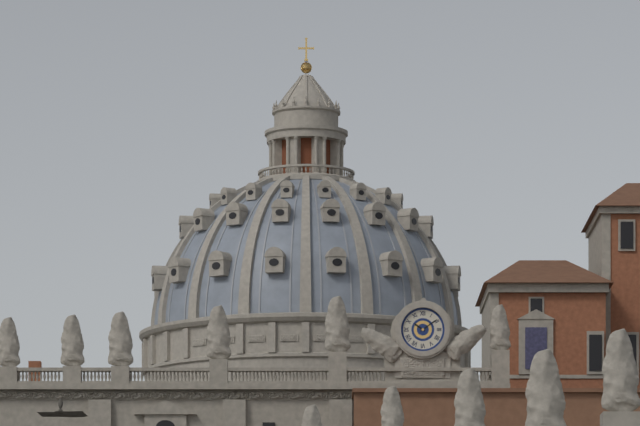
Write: h=10 m=9
